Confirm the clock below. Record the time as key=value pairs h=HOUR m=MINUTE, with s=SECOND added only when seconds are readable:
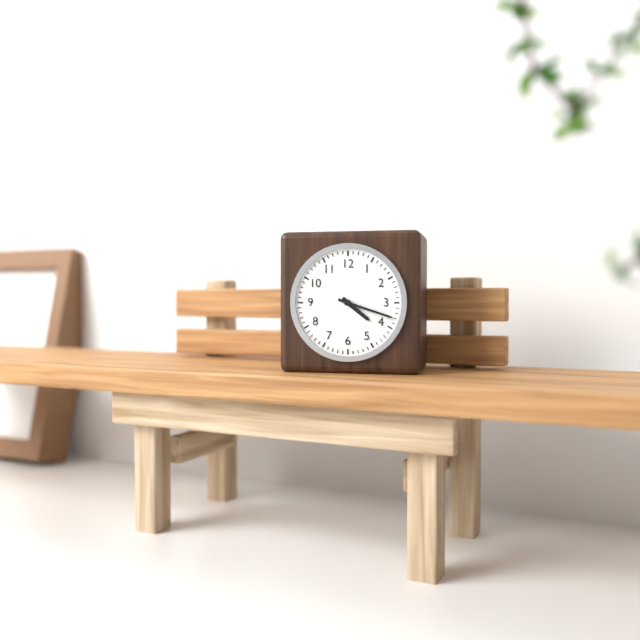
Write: h=4 m=18
